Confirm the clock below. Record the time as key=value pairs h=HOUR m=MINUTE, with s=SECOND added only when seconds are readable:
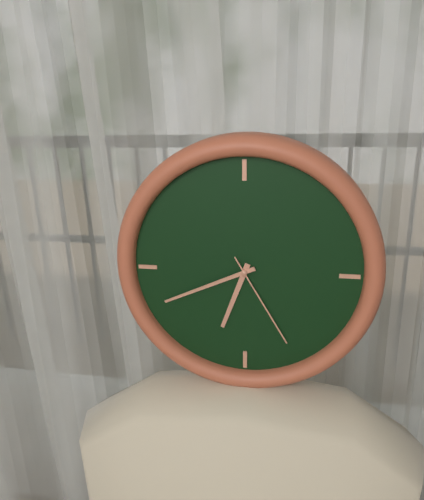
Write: h=6 m=41 s=25
